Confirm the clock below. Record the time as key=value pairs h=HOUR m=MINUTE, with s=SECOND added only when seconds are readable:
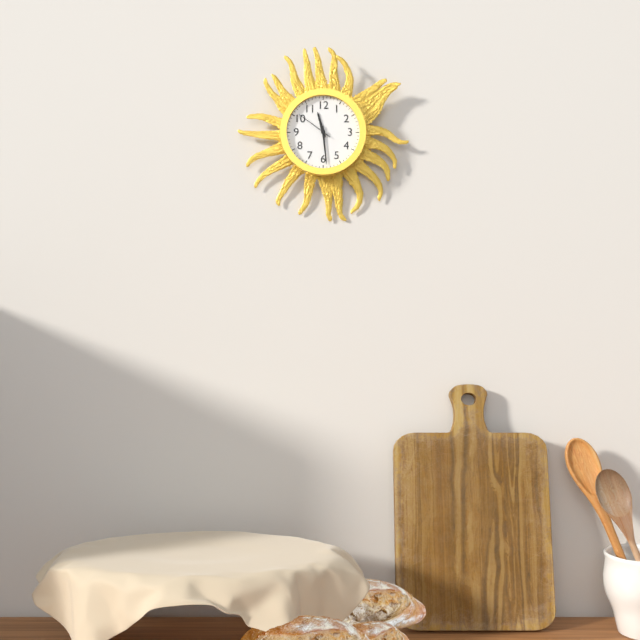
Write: h=11 m=29
